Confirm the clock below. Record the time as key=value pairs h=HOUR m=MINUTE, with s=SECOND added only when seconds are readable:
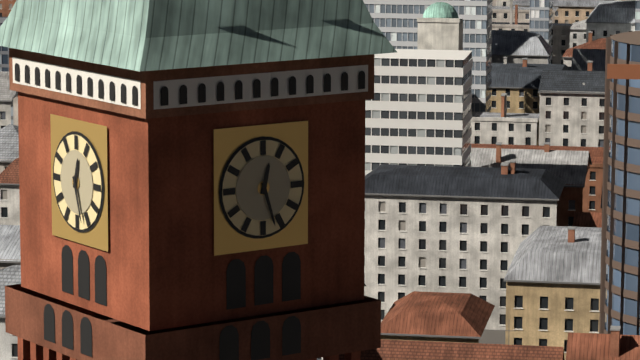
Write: h=12 m=27
